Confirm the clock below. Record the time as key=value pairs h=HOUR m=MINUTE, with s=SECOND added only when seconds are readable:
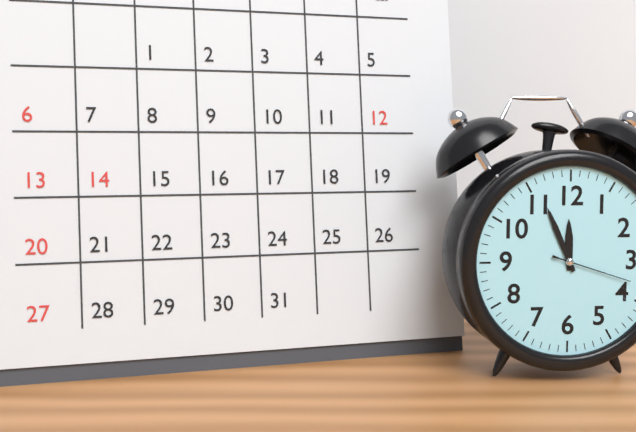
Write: h=11 m=56 s=18
